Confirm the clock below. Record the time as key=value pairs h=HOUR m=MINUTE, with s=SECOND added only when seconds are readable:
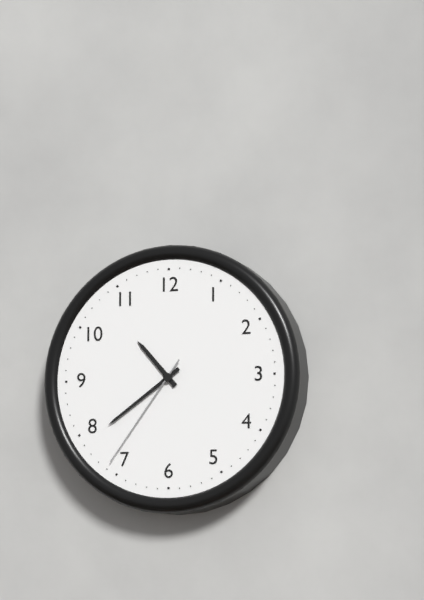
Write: h=10 m=39 s=36
